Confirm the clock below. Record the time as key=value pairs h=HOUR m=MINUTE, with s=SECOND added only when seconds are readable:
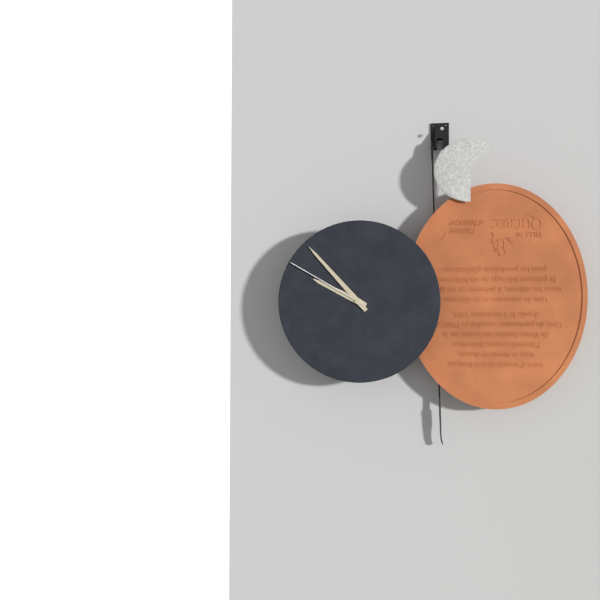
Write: h=9 m=53 s=50
